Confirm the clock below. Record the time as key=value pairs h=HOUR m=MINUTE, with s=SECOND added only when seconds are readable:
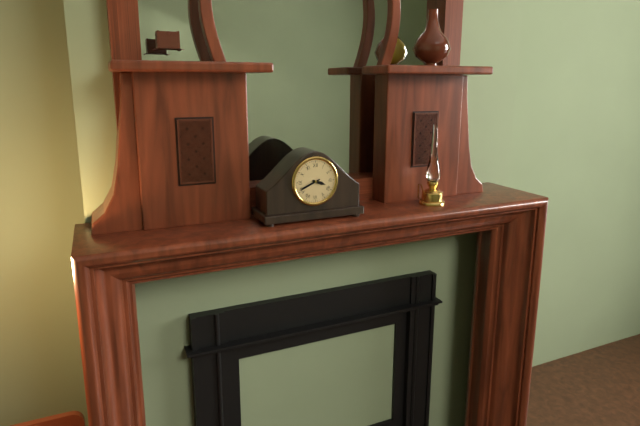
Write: h=3 m=41
